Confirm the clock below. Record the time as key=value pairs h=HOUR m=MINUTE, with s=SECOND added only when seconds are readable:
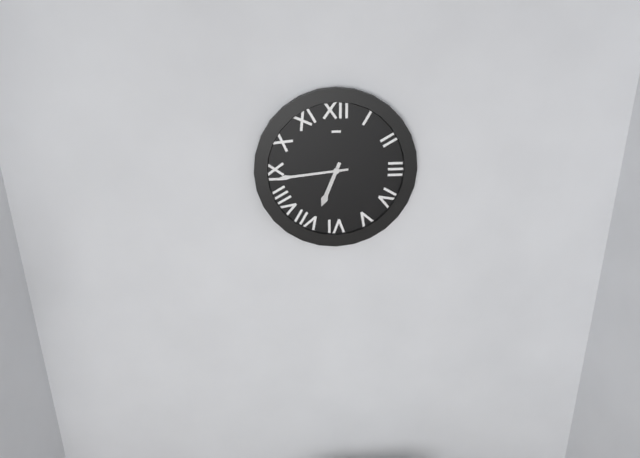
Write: h=6 m=44
